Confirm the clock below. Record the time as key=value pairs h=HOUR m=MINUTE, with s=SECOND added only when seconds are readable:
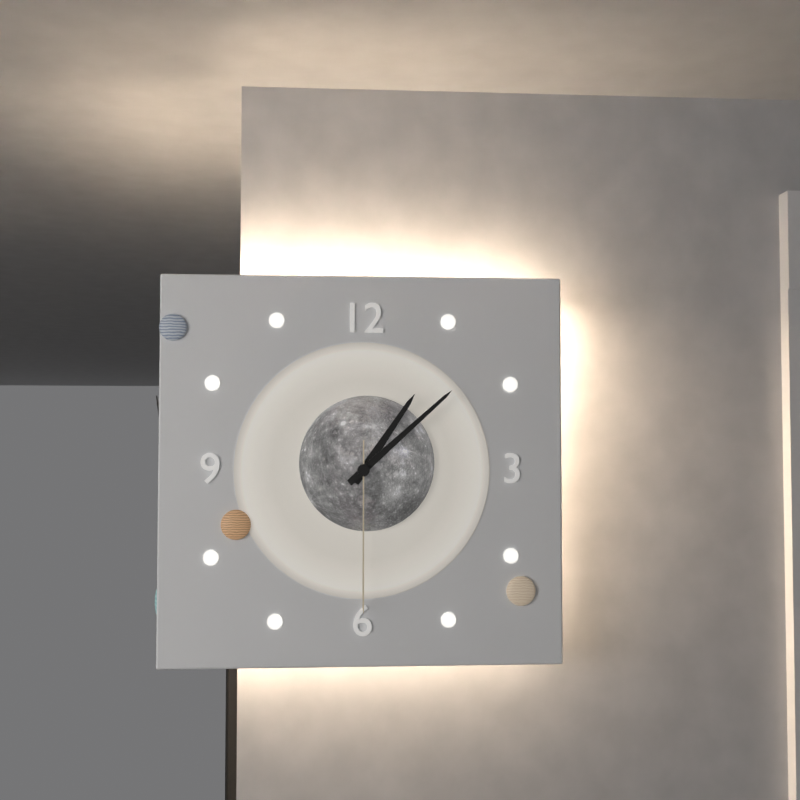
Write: h=1 m=8 s=30
